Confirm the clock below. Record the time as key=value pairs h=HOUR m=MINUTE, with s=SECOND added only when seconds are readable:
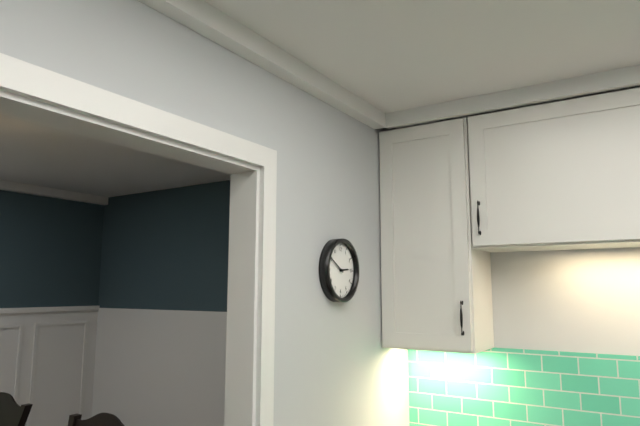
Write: h=2 m=50
